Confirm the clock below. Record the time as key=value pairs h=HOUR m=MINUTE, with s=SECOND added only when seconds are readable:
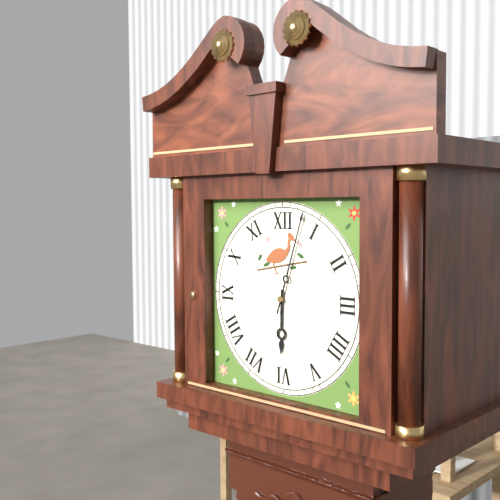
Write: h=6 m=3
